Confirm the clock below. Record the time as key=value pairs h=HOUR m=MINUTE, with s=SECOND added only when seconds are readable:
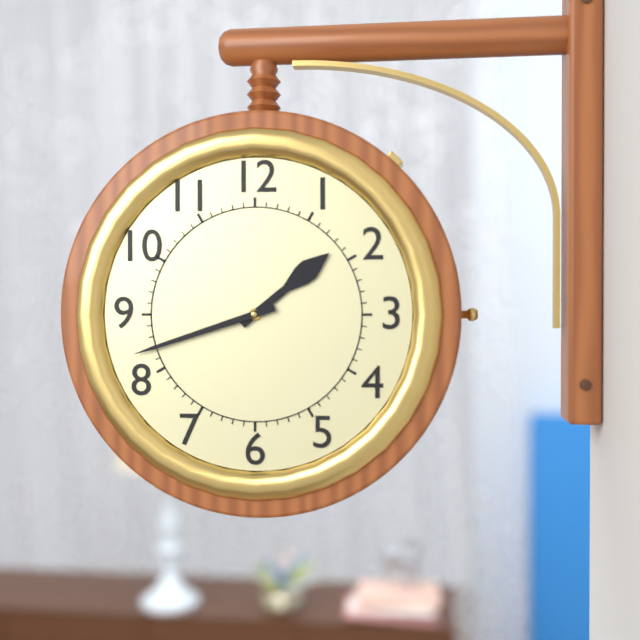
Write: h=1 m=42
